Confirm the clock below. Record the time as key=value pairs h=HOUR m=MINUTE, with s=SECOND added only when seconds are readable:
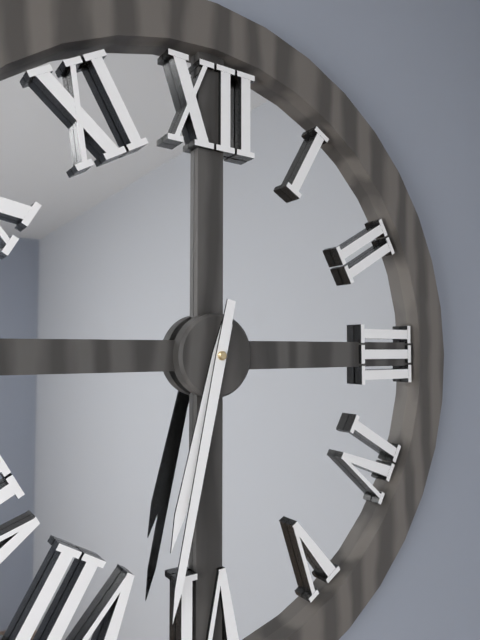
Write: h=6 m=32
